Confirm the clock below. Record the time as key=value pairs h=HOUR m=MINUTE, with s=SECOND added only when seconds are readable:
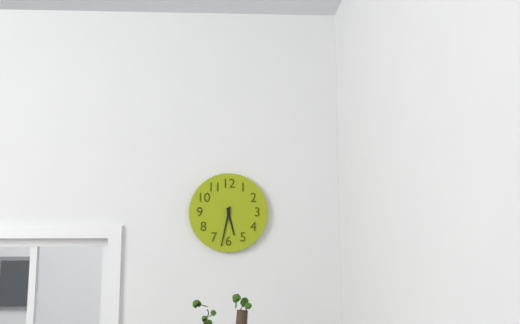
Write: h=5 m=32
